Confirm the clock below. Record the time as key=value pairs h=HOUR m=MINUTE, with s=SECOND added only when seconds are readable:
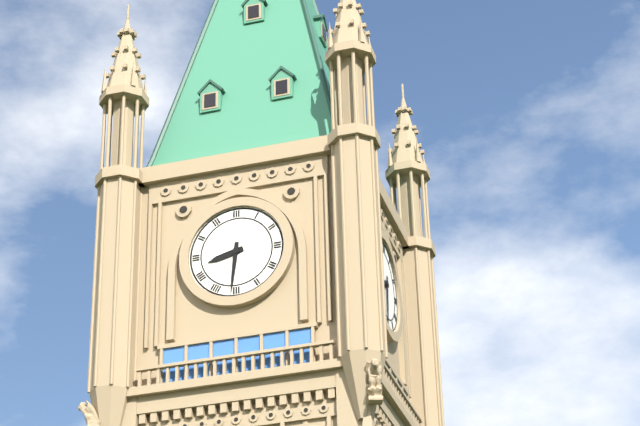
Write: h=8 m=31
